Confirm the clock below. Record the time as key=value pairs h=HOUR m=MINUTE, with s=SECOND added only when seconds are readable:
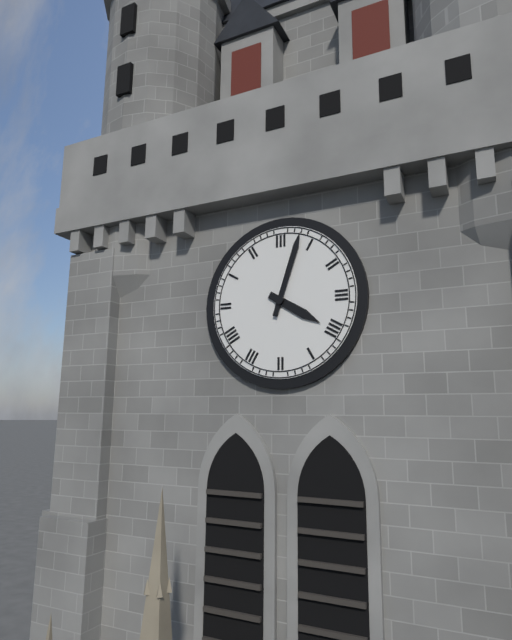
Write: h=4 m=3
